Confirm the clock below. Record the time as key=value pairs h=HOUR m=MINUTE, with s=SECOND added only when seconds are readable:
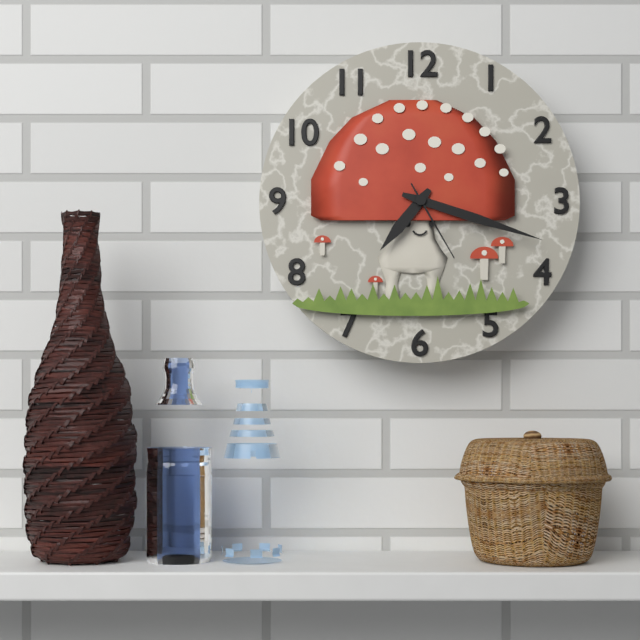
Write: h=7 m=18 s=25
